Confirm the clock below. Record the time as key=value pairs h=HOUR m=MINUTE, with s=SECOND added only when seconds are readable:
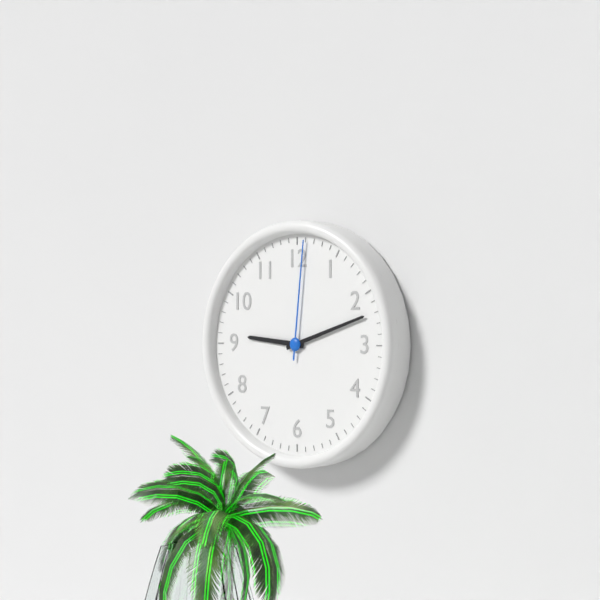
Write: h=9 m=12 s=1
